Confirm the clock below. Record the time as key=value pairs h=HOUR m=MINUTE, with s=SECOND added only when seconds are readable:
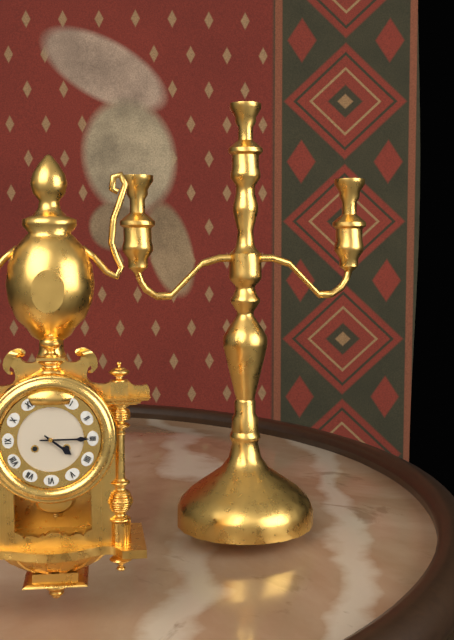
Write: h=4 m=15
